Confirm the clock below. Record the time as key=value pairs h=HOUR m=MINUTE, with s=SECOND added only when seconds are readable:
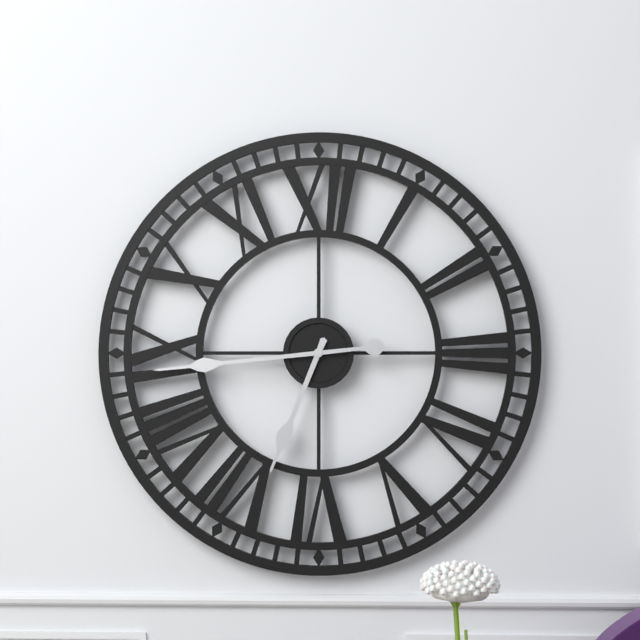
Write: h=6 m=44
